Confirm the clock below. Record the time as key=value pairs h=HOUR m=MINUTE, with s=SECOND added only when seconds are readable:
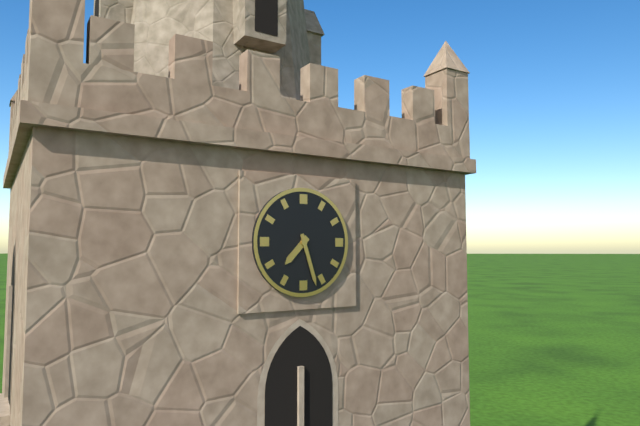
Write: h=7 m=27
